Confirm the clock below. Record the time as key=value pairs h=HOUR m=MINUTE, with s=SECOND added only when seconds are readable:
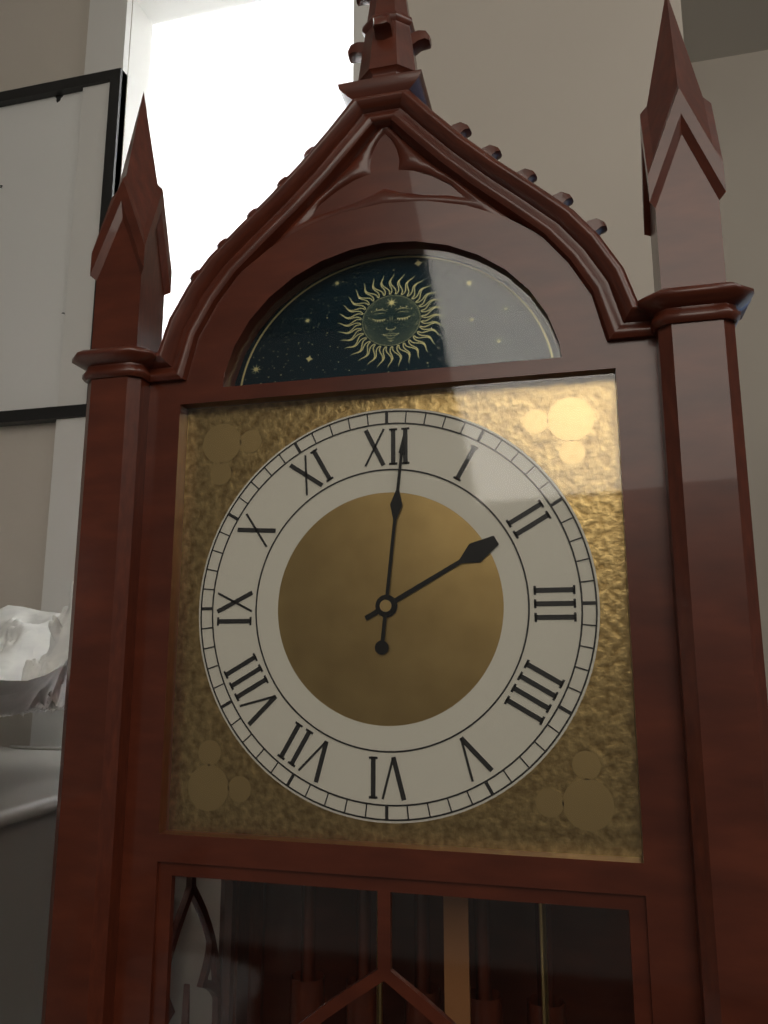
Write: h=2 m=1
